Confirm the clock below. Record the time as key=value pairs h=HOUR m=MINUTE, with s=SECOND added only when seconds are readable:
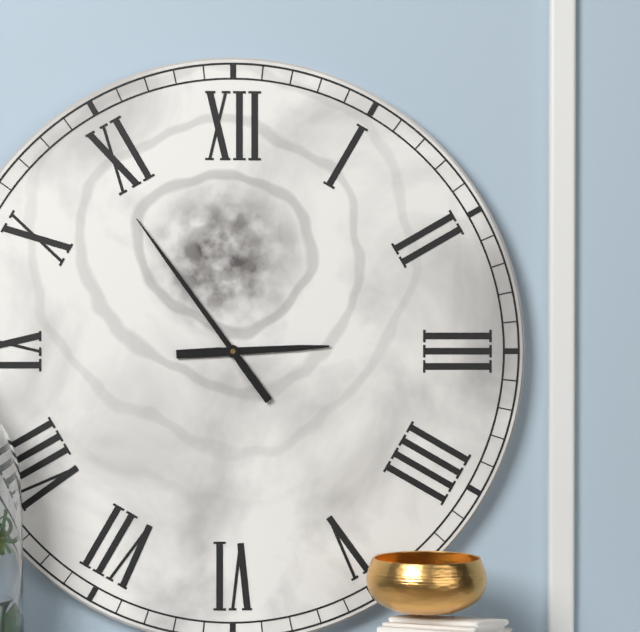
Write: h=2 m=54
